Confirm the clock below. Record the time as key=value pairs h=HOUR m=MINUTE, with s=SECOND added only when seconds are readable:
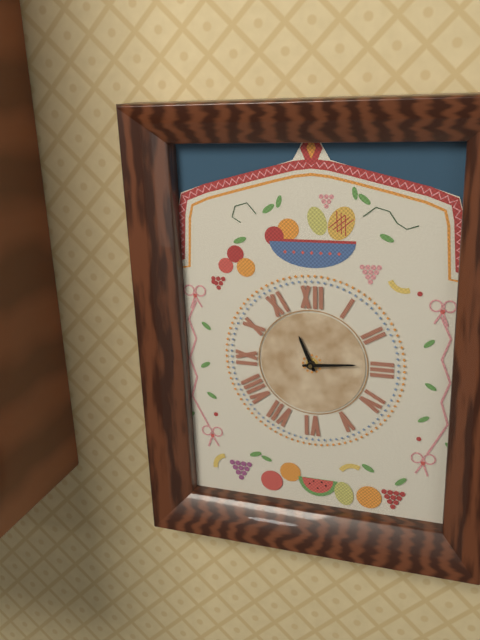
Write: h=11 m=14
